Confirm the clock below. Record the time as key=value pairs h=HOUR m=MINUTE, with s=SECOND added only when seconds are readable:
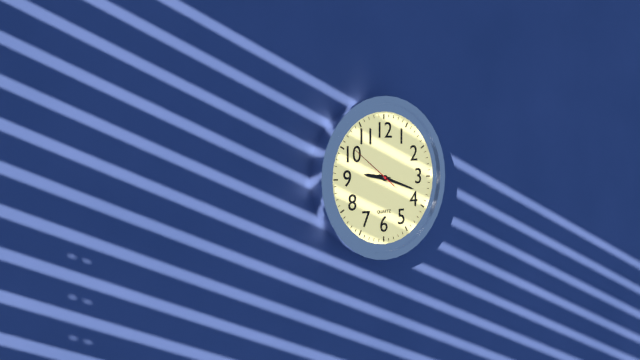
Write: h=9 m=18
